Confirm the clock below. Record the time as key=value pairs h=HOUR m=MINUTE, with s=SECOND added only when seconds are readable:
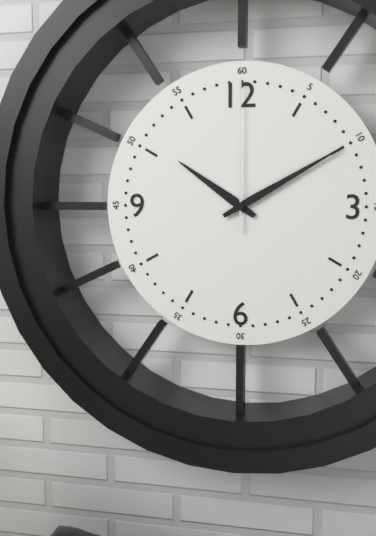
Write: h=10 m=10 s=0
